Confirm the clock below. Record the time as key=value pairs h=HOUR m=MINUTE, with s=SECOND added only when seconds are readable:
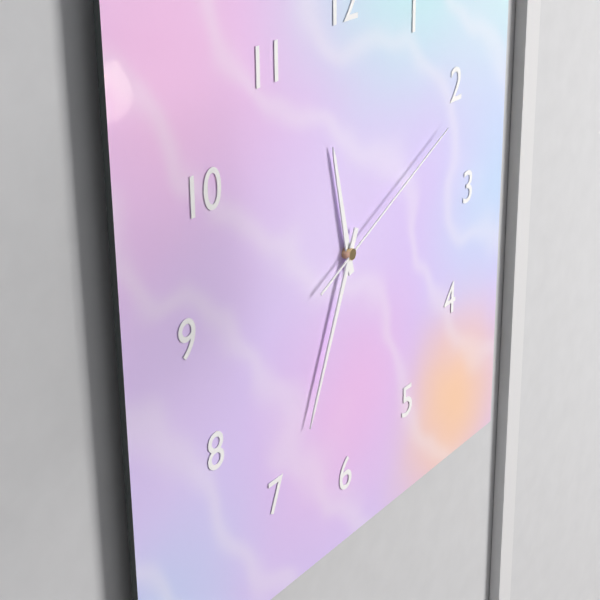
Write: h=11 m=34 s=11
